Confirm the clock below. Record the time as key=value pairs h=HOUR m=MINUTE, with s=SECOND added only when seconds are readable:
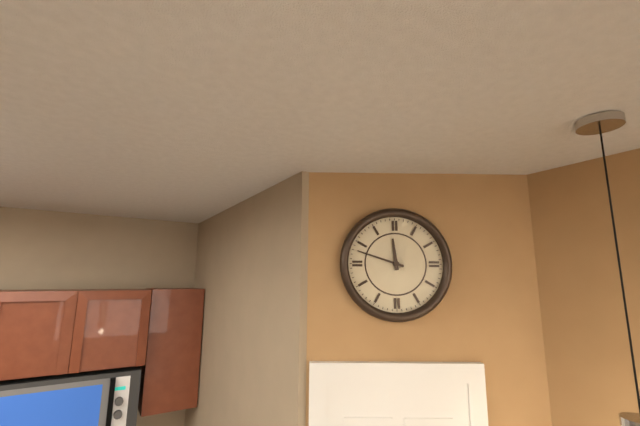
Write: h=11 m=48
